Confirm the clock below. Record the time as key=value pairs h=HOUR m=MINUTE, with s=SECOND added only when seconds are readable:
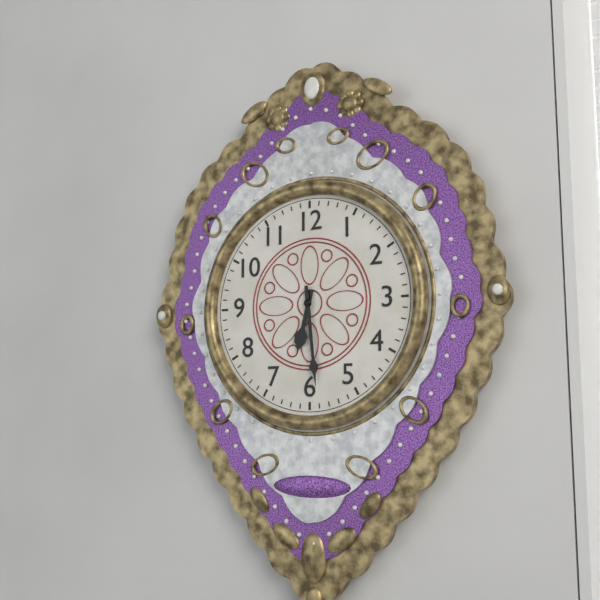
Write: h=6 m=29
